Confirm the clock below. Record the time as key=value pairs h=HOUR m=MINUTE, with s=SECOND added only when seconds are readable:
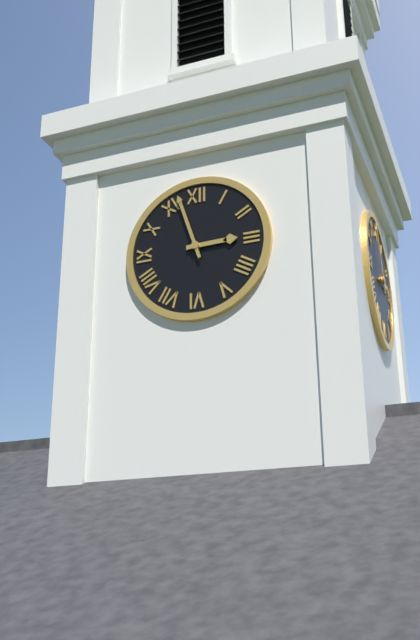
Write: h=2 m=57
